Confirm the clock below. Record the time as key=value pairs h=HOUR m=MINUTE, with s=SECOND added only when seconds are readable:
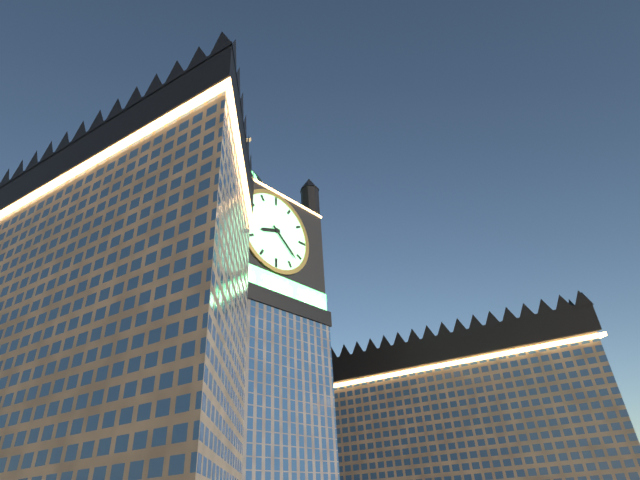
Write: h=8 m=22
